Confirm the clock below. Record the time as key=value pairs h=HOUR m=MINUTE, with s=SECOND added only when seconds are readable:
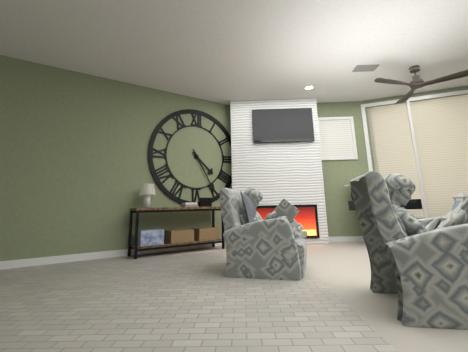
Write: h=4 m=25
